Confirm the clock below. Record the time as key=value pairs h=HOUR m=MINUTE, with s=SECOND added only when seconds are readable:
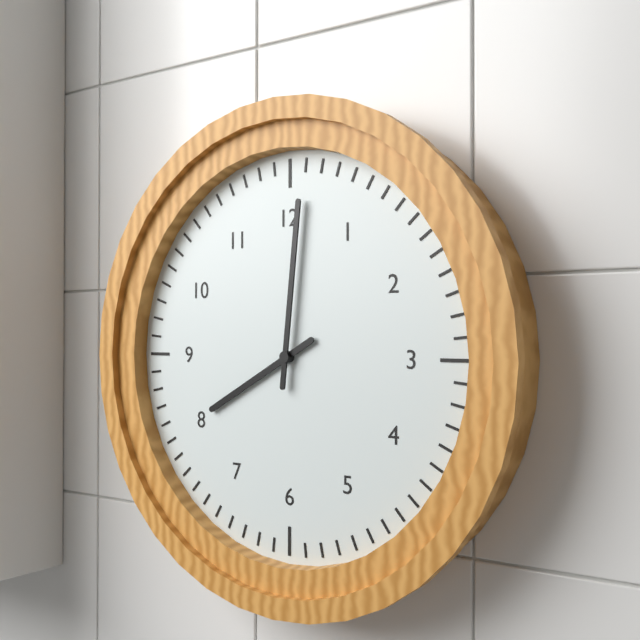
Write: h=8 m=1
